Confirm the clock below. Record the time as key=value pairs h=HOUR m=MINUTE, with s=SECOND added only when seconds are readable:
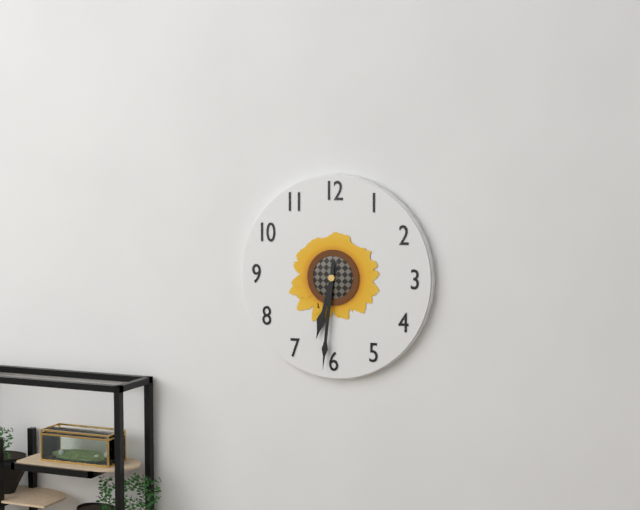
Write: h=6 m=31
